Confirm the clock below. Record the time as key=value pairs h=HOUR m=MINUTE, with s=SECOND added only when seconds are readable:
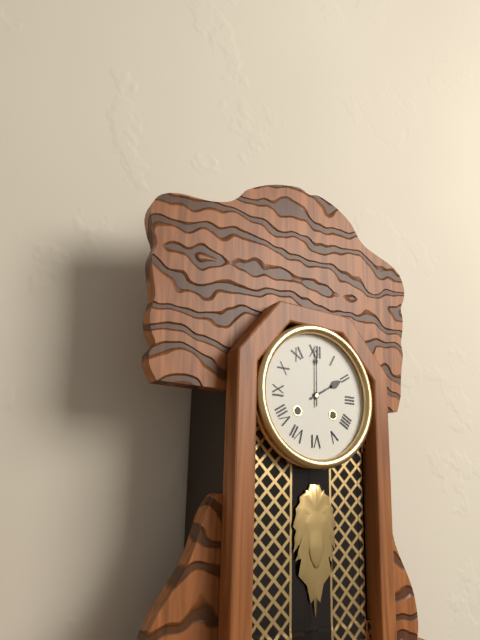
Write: h=2 m=0
